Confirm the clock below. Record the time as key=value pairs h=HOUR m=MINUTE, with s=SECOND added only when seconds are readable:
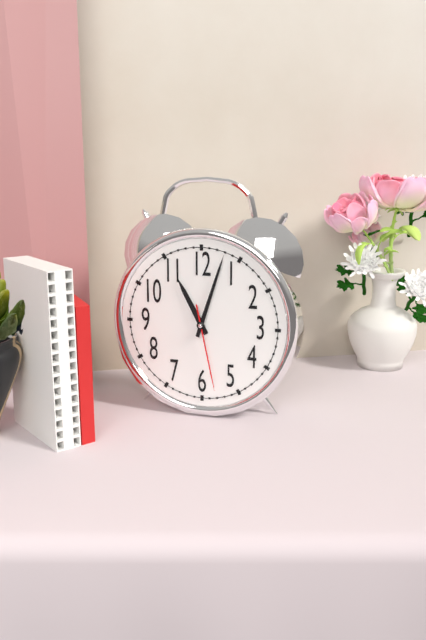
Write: h=11 m=3 s=28
